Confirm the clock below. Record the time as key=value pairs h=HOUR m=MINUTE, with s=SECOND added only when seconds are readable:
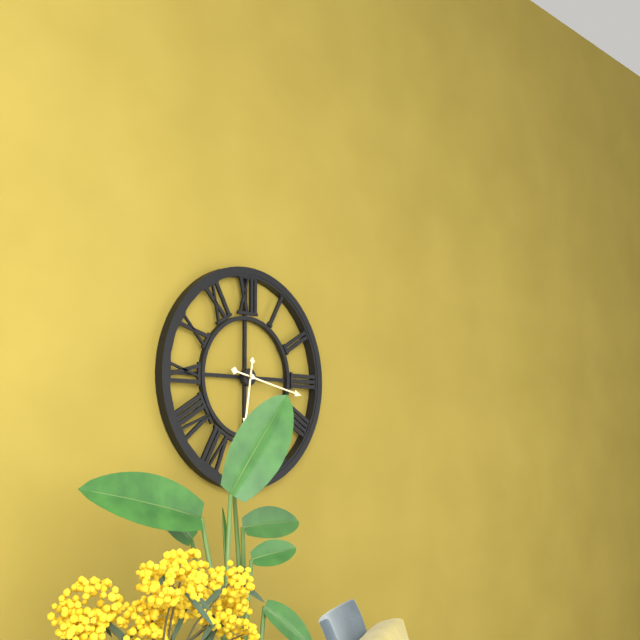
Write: h=6 m=17
